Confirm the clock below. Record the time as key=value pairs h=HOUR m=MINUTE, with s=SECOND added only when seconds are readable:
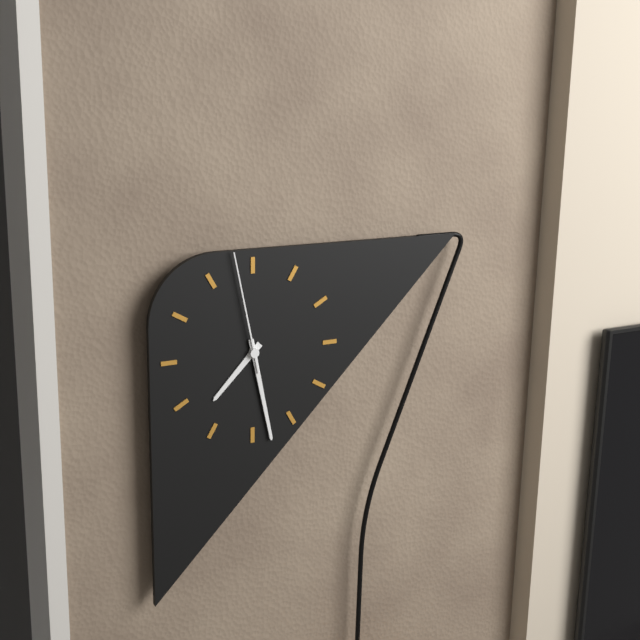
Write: h=7 m=28 s=58
